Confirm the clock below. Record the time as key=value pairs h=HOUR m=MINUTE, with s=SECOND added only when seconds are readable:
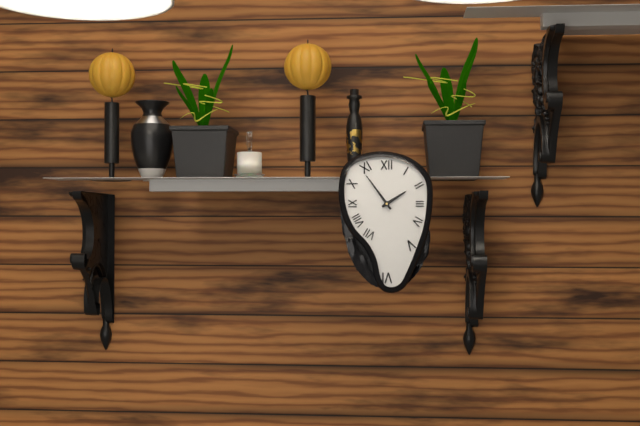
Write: h=1 m=54
